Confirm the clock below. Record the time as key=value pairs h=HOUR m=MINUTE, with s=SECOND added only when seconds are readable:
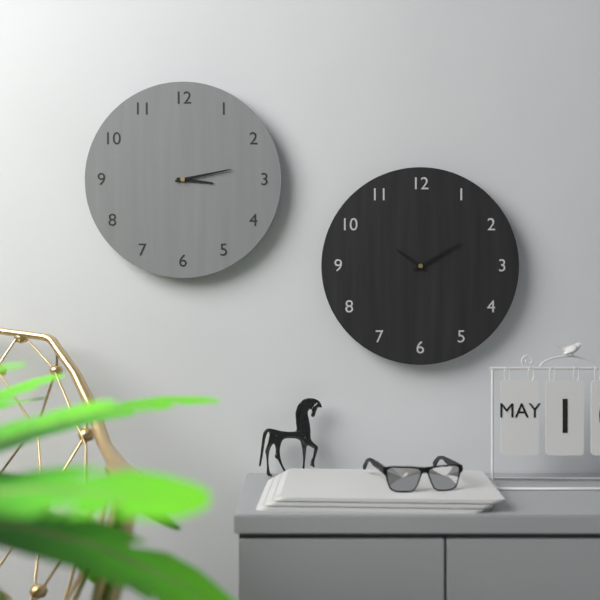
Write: h=3 m=13
